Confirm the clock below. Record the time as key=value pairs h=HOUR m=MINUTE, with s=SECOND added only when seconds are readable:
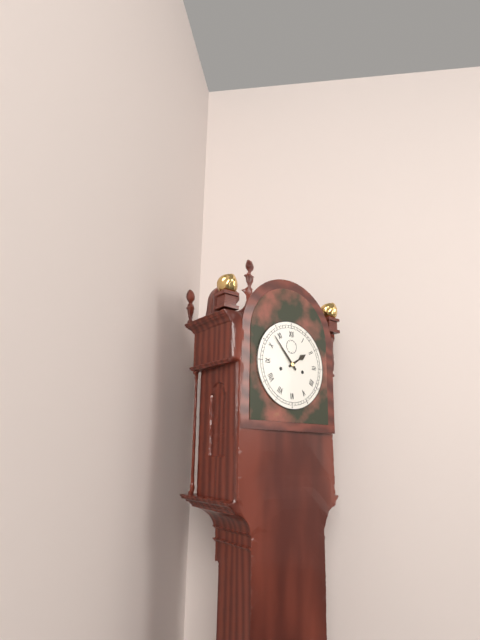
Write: h=1 m=53
